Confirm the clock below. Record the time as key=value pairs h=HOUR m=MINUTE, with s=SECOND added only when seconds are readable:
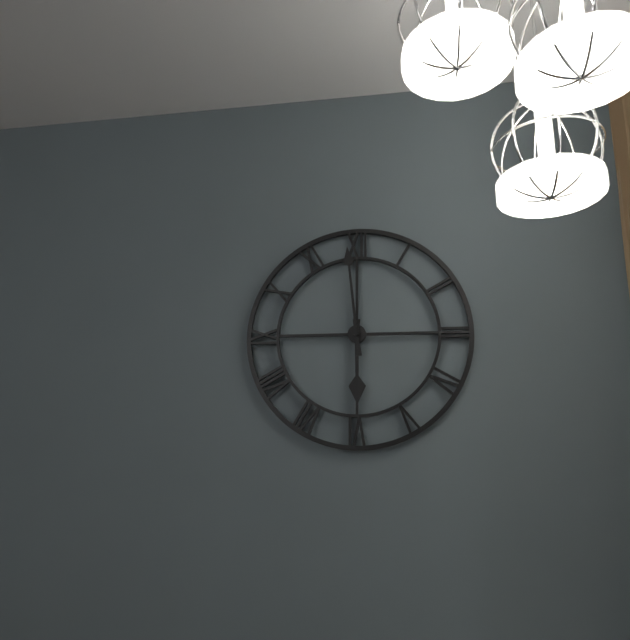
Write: h=5 m=59
